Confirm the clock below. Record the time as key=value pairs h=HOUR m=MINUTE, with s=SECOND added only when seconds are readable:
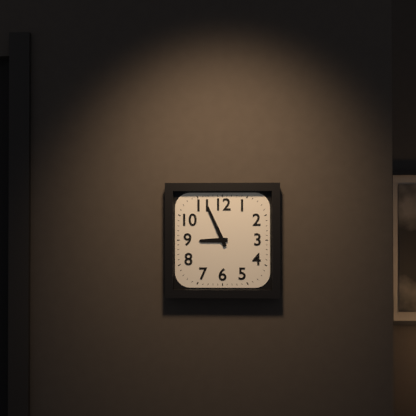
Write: h=8 m=56
